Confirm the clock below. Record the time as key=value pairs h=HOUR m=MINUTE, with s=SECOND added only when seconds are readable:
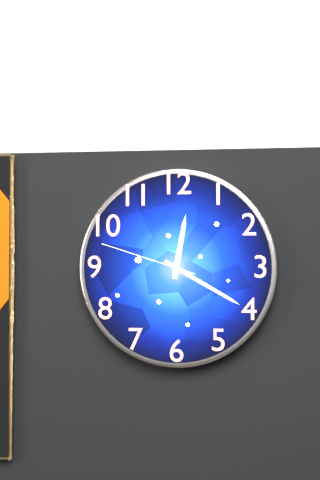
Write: h=12 m=20 s=48
